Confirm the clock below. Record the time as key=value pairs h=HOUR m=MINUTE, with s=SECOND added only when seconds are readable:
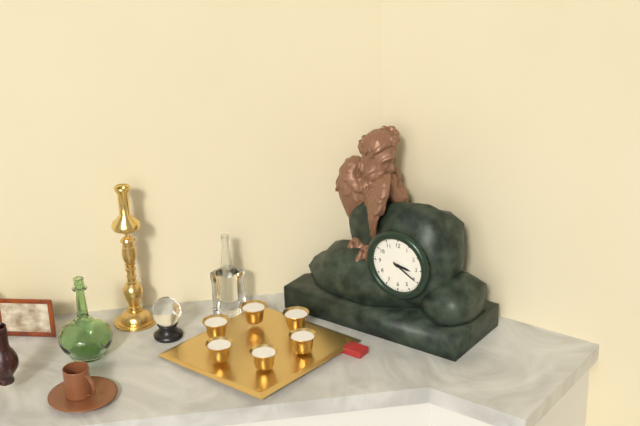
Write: h=3 m=20
